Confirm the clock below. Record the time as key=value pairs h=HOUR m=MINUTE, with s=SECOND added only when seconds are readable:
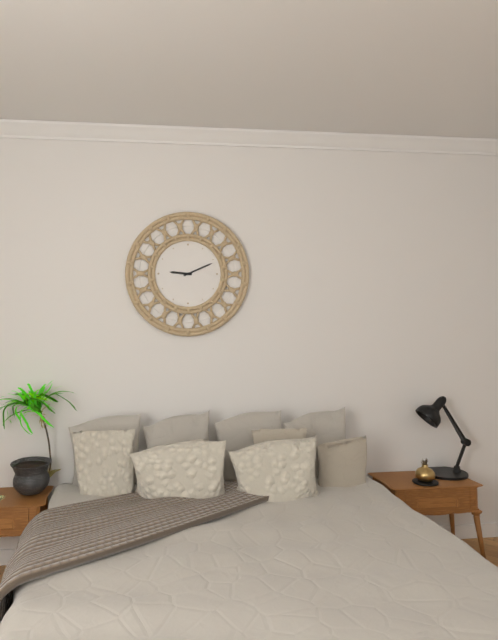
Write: h=9 m=11
